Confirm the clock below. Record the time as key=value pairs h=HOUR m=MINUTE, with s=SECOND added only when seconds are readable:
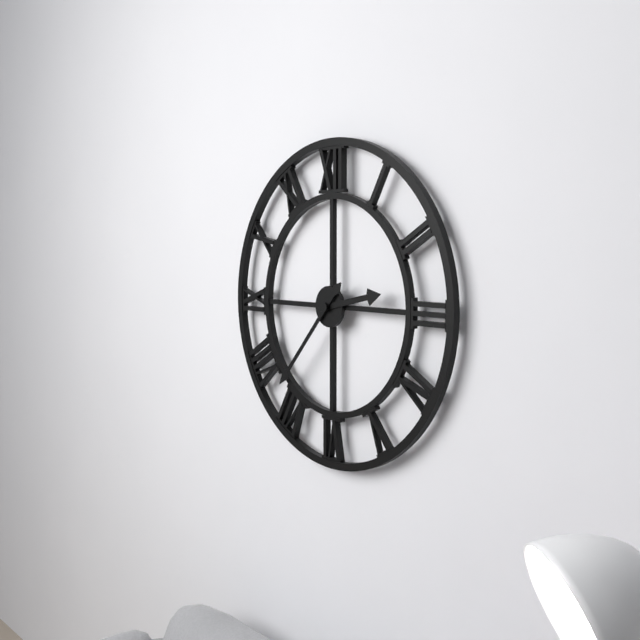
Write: h=2 m=37
